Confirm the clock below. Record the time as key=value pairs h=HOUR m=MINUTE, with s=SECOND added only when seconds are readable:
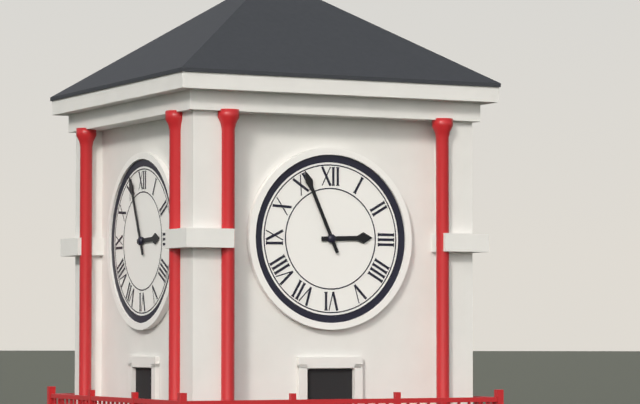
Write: h=2 m=56
